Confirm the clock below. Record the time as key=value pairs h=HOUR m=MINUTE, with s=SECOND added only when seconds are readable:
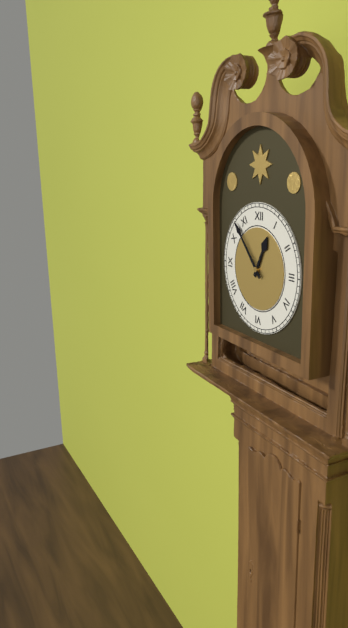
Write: h=12 m=53
